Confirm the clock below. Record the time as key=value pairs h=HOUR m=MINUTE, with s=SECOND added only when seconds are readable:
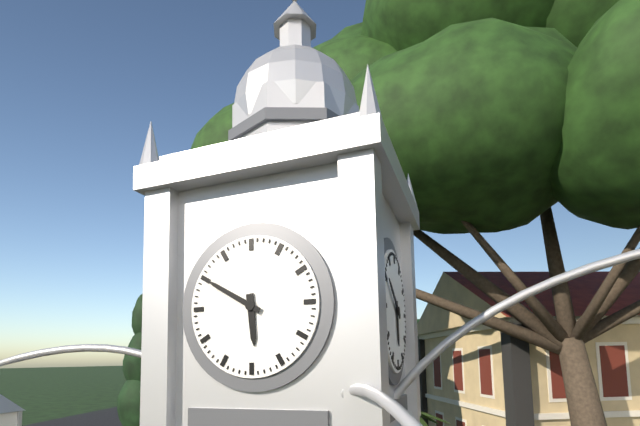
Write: h=5 m=50
